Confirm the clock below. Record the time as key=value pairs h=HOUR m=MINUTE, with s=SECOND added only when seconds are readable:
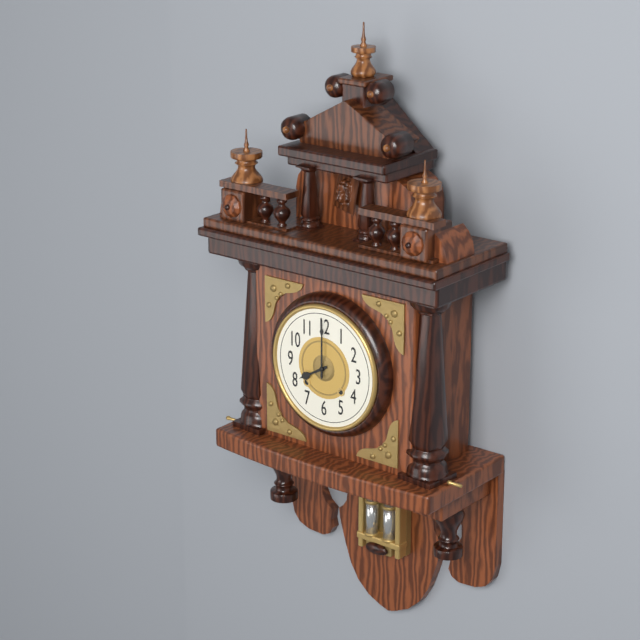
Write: h=8 m=0
